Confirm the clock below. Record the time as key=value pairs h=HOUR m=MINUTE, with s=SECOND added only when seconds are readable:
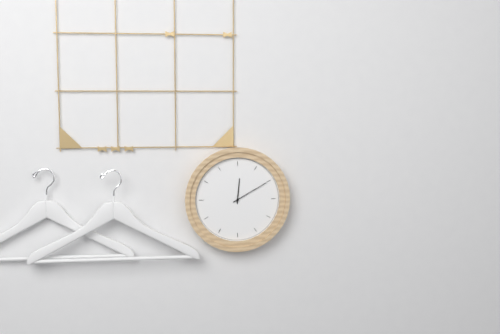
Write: h=12 m=10
